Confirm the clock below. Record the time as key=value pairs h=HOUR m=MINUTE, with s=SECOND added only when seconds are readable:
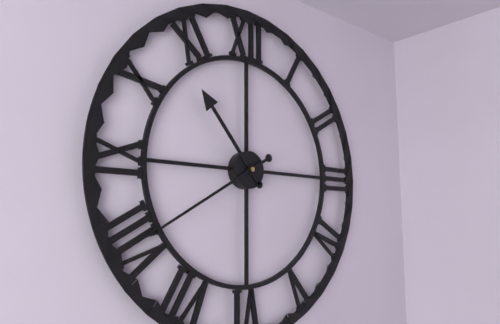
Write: h=10 m=40
